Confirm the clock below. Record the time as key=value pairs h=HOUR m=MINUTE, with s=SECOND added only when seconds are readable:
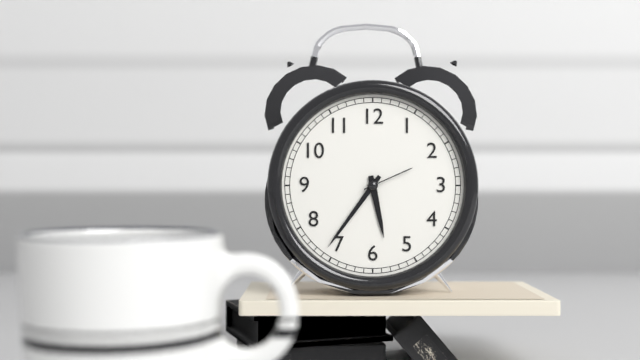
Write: h=5 m=36 s=11
